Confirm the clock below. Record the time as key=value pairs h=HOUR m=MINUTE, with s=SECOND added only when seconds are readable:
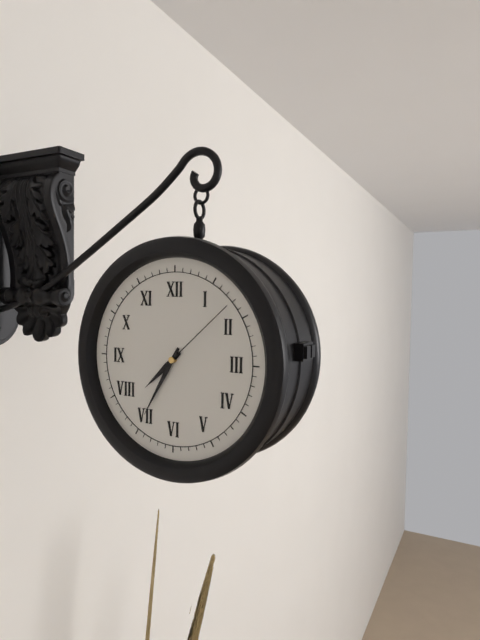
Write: h=7 m=35 s=8
